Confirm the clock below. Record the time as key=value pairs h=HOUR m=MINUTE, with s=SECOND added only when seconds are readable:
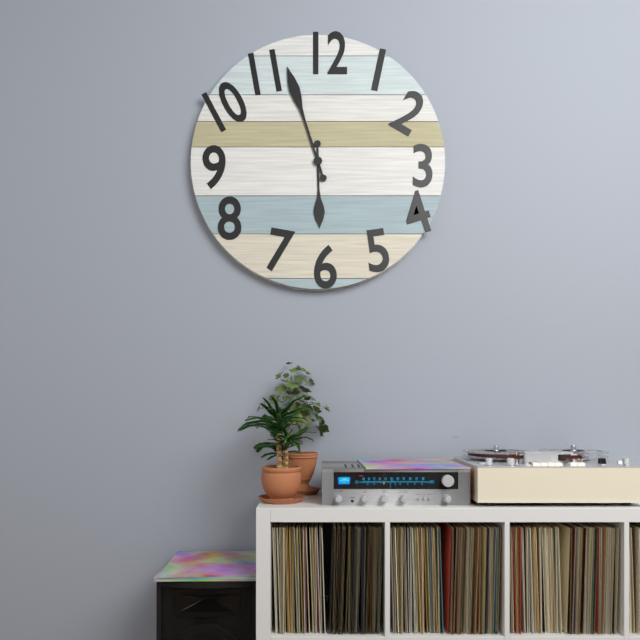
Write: h=5 m=57
